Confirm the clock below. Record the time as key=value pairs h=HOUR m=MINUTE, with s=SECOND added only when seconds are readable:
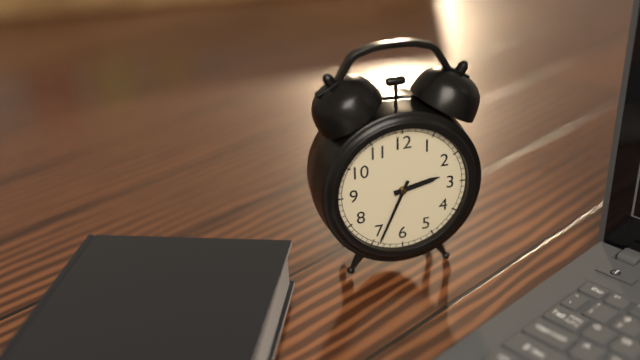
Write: h=2 m=34
